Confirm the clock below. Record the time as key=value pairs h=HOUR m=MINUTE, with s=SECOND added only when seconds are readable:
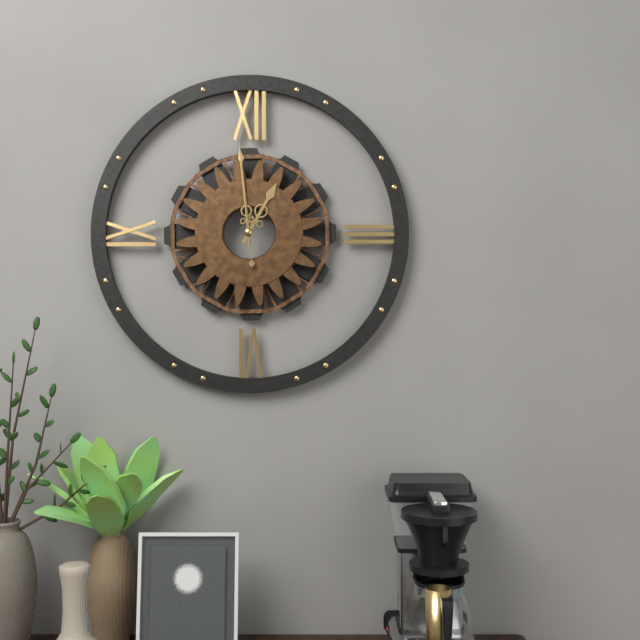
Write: h=12 m=59 s=59
